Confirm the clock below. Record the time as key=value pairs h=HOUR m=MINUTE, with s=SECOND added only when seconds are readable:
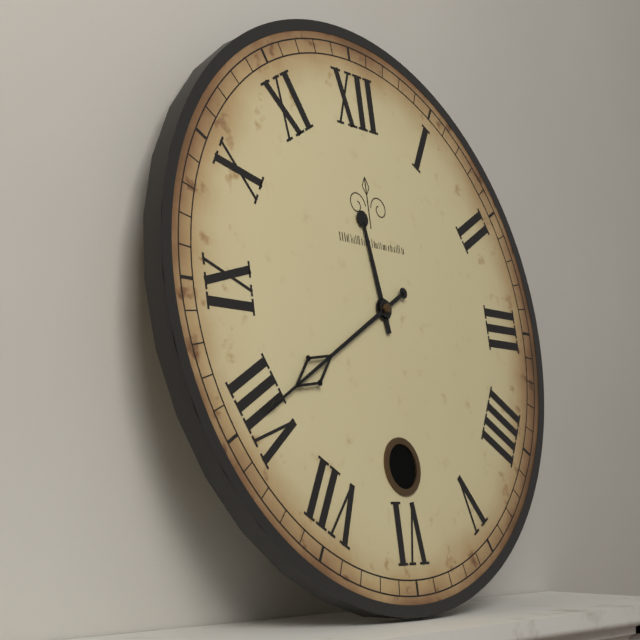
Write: h=11 m=40
